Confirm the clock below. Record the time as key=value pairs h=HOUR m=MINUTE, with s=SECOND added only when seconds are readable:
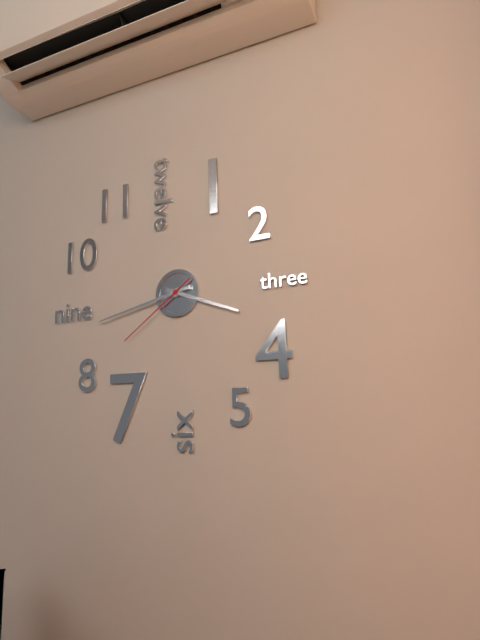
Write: h=3 m=43 s=39
